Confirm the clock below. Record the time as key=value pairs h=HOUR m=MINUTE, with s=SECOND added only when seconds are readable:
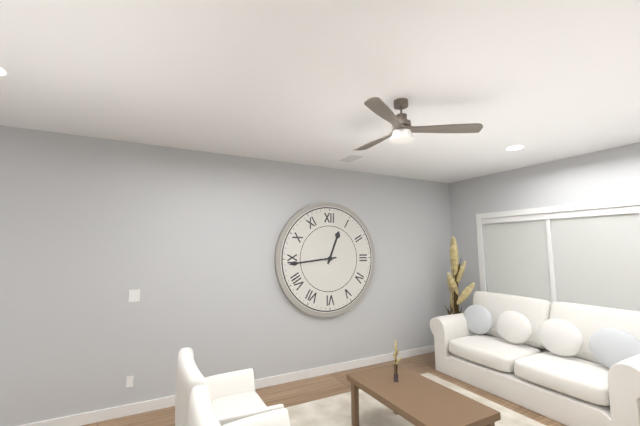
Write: h=12 m=44
